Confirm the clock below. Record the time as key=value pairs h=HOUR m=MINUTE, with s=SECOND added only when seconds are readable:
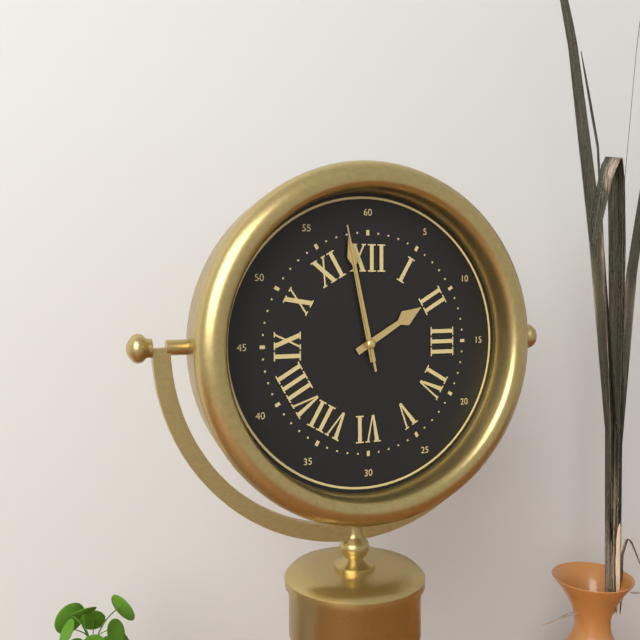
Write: h=1 m=58 s=58
